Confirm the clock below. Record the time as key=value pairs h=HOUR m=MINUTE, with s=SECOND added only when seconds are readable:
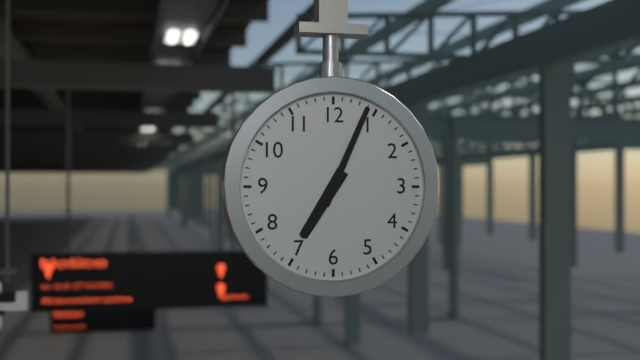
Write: h=7 m=4
